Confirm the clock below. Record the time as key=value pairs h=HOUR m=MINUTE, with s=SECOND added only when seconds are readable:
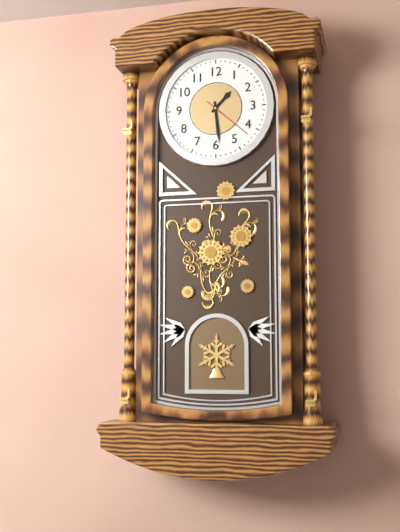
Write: h=1 m=29
